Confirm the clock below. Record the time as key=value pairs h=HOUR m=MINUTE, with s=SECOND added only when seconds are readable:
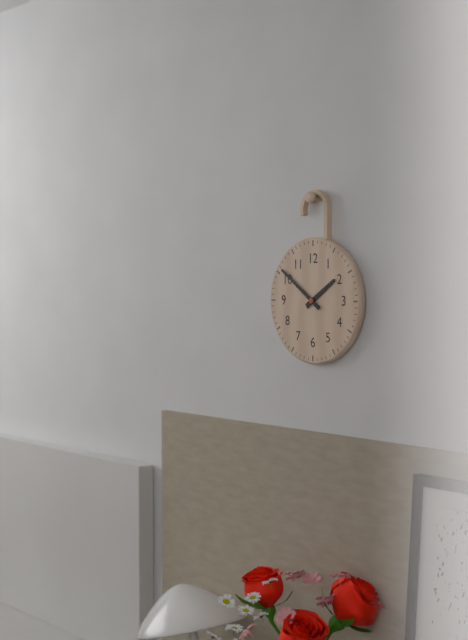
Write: h=1 m=51
